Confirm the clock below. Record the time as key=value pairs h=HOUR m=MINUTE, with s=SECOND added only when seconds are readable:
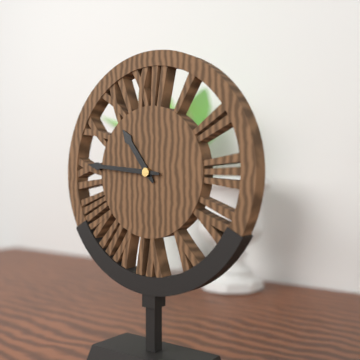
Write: h=10 m=46
